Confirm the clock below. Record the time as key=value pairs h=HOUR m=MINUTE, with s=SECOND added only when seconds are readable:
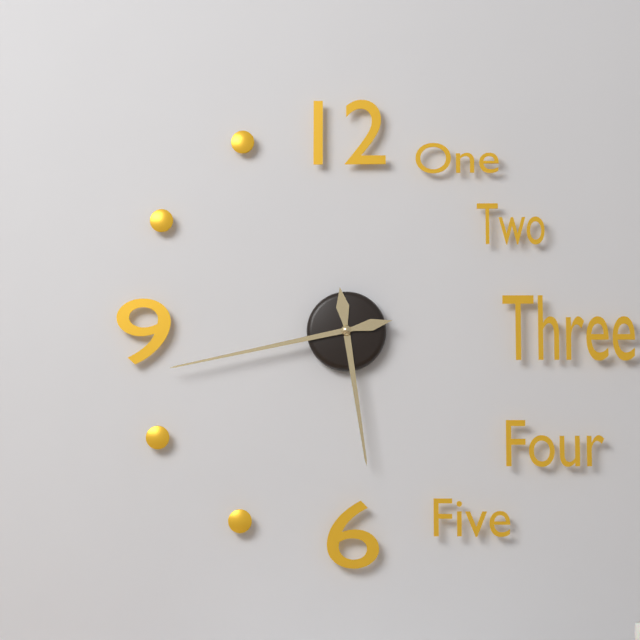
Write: h=5 m=43
